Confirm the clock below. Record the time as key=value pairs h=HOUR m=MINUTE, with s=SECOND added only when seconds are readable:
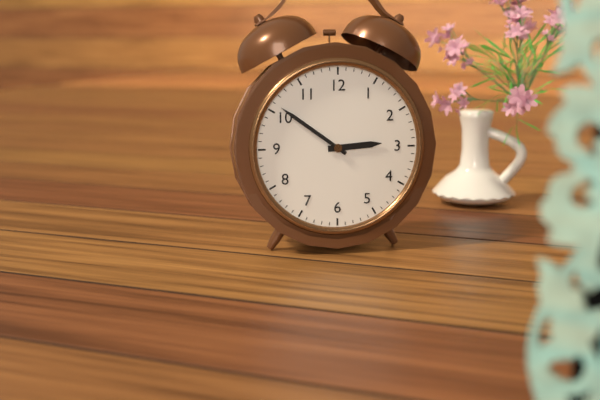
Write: h=2 m=51
